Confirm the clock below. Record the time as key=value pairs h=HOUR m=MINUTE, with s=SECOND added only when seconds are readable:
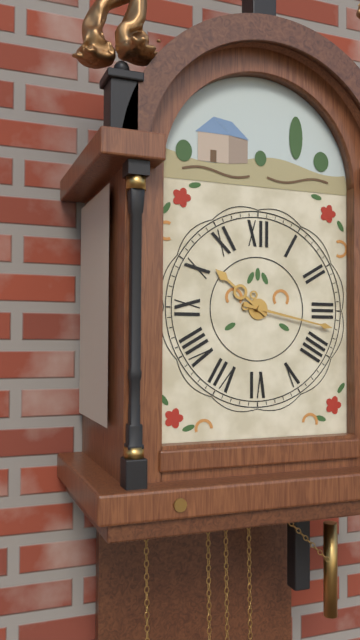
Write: h=10 m=17
